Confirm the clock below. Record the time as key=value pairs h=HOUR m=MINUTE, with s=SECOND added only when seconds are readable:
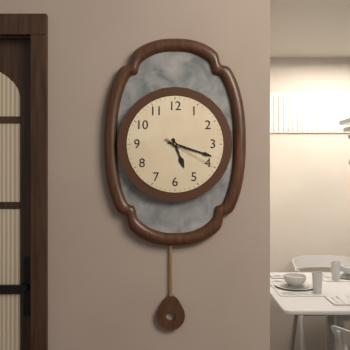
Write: h=5 m=18 s=20
